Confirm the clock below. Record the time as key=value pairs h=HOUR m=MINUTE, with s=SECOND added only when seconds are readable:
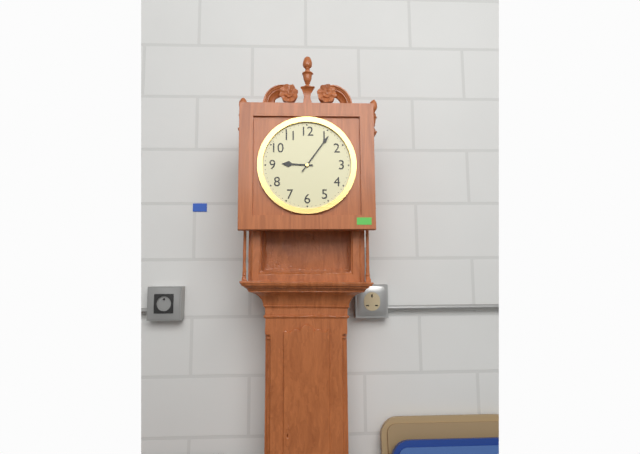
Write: h=9 m=6
